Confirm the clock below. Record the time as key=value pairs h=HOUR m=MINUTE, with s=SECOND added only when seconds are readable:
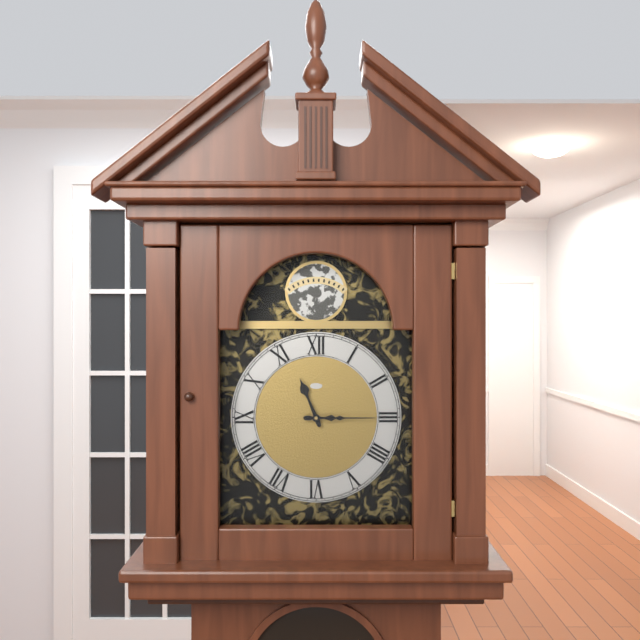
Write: h=11 m=15
